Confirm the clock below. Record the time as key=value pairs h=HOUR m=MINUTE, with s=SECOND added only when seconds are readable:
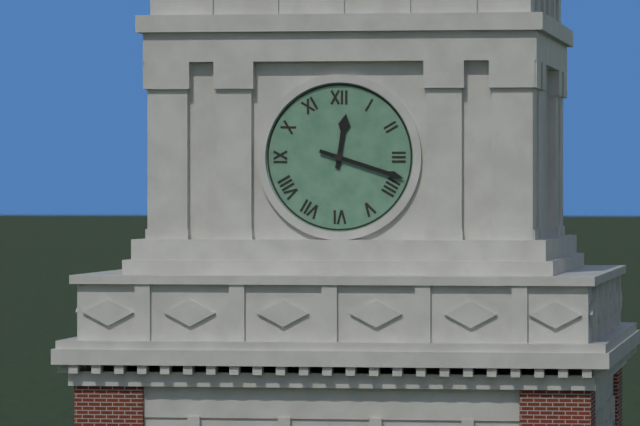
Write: h=12 m=18
